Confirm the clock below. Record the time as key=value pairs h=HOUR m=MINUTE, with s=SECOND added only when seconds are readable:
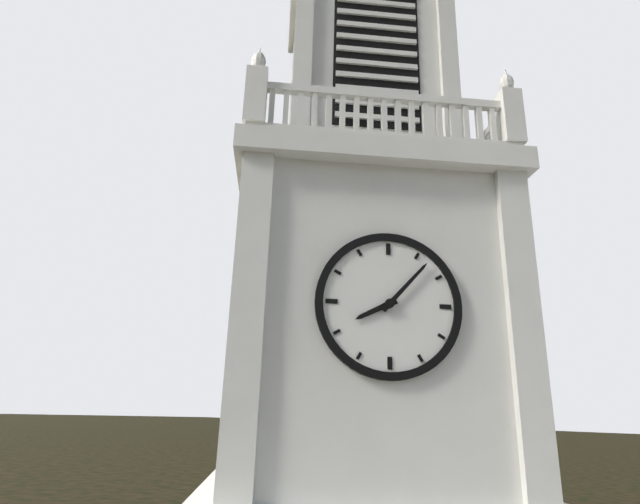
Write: h=8 m=7
